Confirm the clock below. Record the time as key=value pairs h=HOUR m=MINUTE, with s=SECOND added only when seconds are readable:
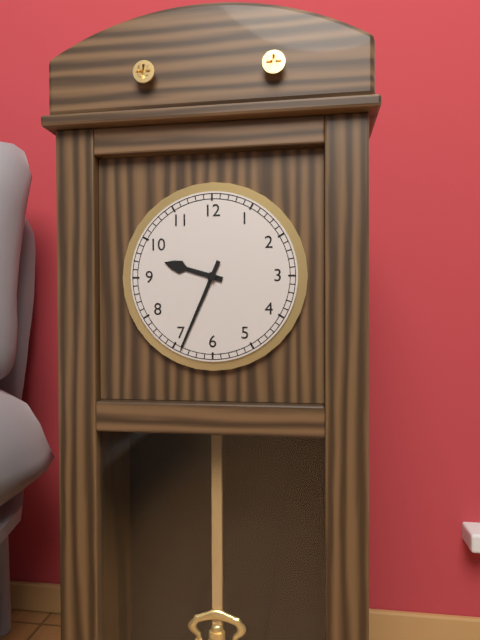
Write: h=9 m=34
